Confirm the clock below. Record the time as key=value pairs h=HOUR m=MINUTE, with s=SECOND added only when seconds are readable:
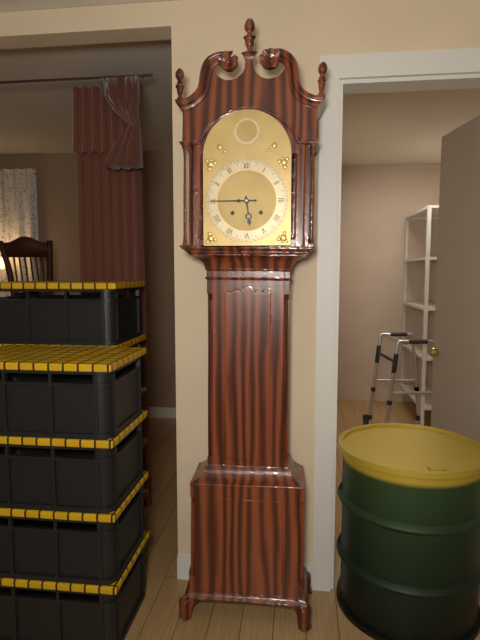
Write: h=5 m=45
